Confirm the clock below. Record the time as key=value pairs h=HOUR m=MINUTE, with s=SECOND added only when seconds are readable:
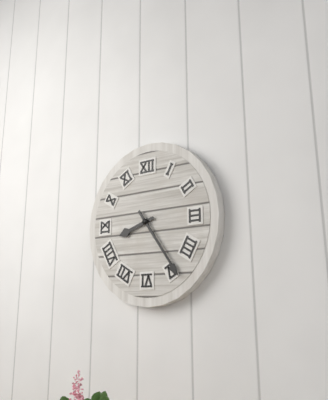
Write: h=8 m=24
